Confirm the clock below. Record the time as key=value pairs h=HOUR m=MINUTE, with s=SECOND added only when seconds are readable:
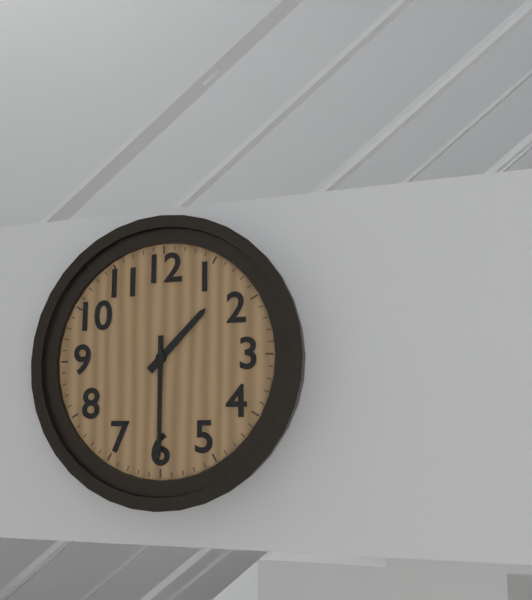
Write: h=1 m=30
